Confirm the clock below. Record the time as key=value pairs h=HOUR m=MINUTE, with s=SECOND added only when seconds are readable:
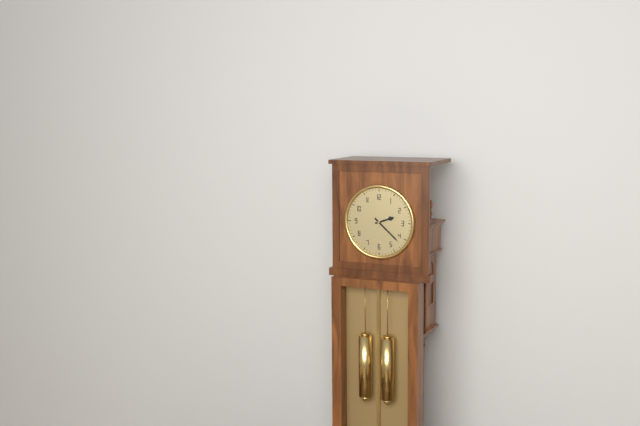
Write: h=2 m=22
